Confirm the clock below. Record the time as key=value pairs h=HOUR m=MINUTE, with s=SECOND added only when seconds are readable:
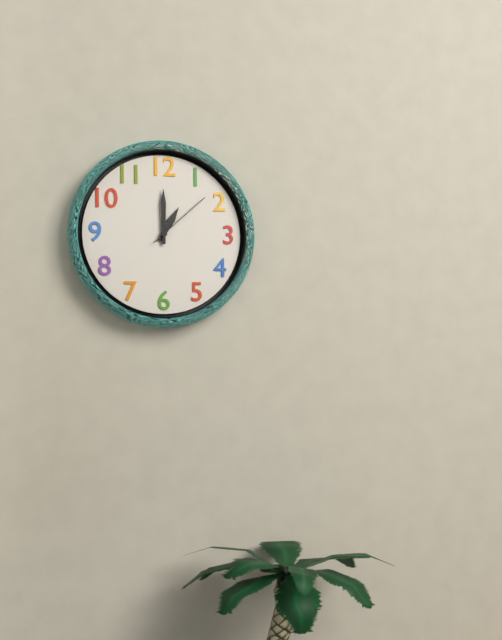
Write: h=1 m=0 s=8
